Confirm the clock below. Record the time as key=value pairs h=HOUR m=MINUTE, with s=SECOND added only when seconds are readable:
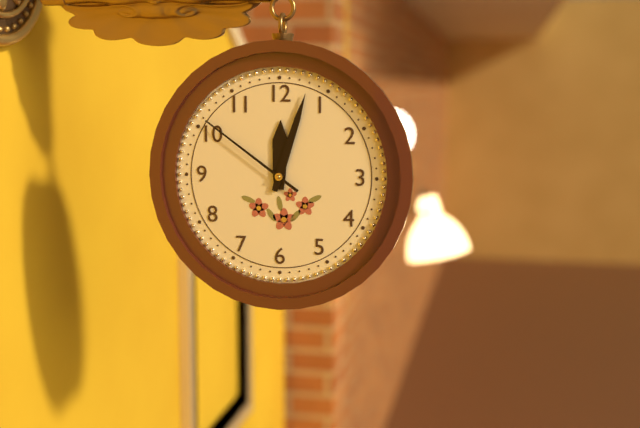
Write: h=12 m=3 s=51
